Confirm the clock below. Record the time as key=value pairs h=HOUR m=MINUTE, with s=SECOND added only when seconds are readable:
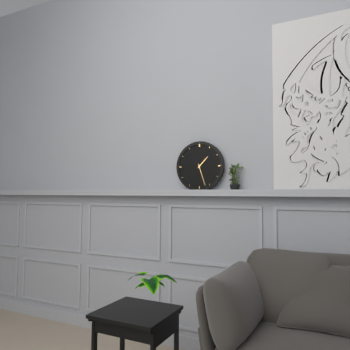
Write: h=1 m=27
